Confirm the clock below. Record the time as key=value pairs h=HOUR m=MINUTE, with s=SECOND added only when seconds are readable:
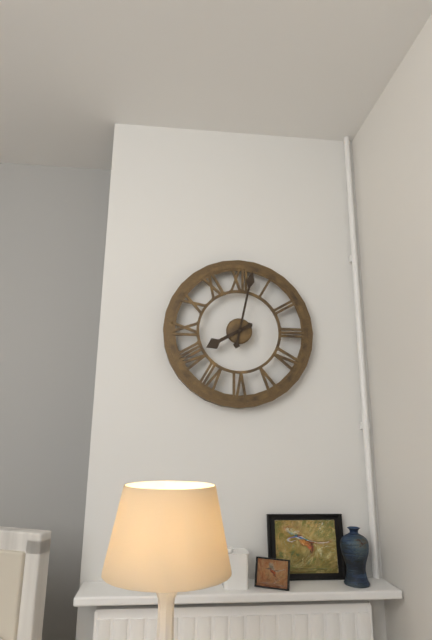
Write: h=8 m=2
